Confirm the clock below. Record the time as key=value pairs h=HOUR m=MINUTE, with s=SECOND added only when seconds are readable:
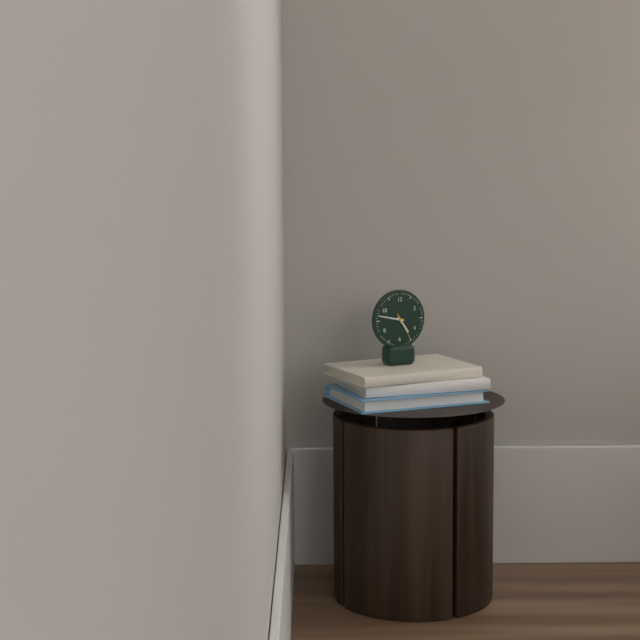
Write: h=4 m=47
